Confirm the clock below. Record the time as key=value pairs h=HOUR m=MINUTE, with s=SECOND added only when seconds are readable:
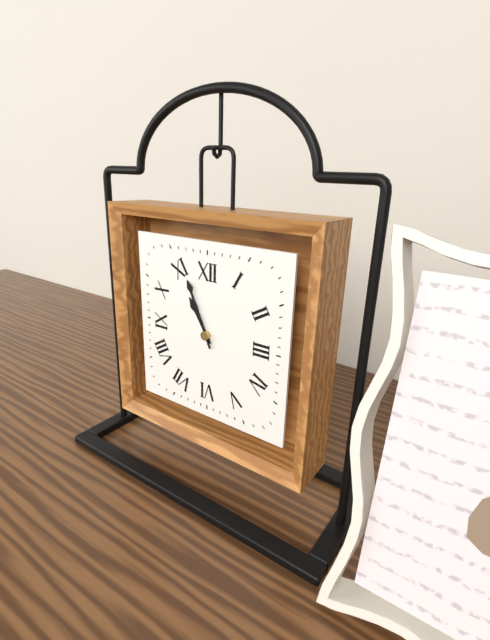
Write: h=10 m=56
